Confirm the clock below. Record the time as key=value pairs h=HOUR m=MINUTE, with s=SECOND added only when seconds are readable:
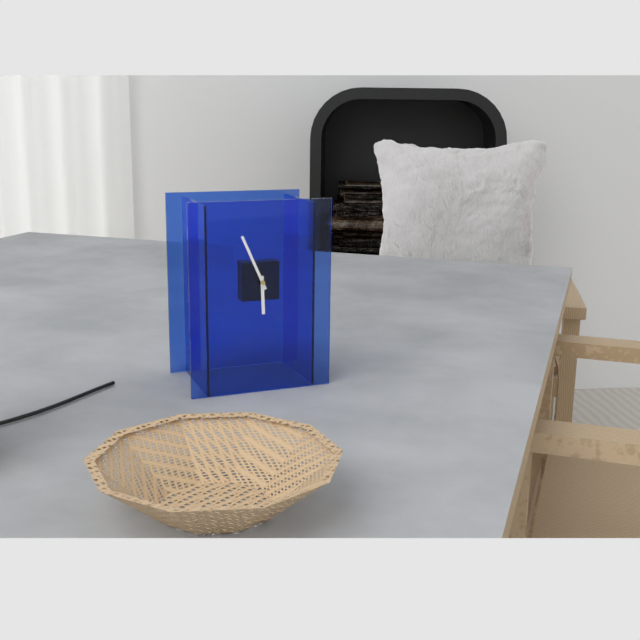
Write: h=5 m=56
